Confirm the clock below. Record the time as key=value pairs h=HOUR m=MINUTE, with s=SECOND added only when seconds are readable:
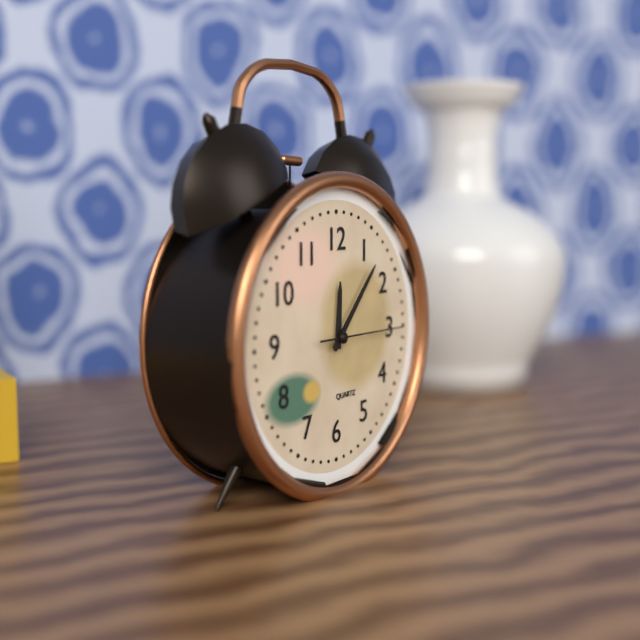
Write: h=12 m=7 s=15
